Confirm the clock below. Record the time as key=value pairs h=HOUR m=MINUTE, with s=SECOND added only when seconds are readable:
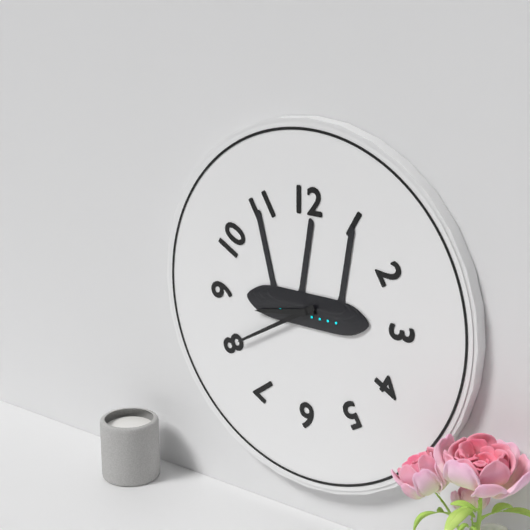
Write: h=8 m=40
